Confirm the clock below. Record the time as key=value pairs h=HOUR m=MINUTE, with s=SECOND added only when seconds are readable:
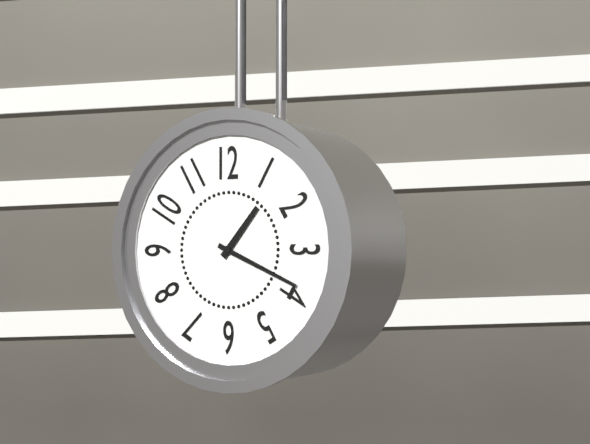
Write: h=1 m=19
